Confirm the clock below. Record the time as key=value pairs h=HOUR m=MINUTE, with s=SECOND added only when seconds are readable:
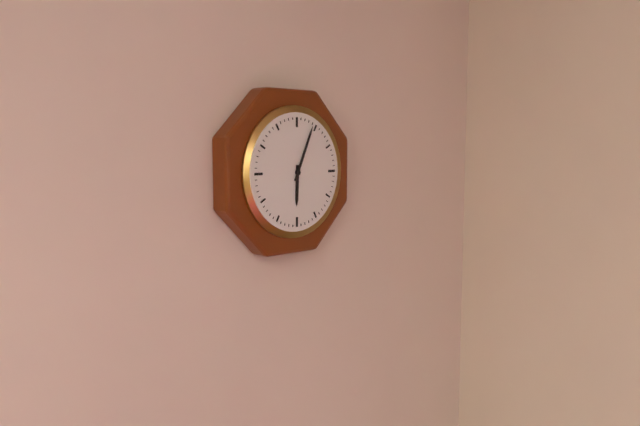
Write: h=6 m=4
